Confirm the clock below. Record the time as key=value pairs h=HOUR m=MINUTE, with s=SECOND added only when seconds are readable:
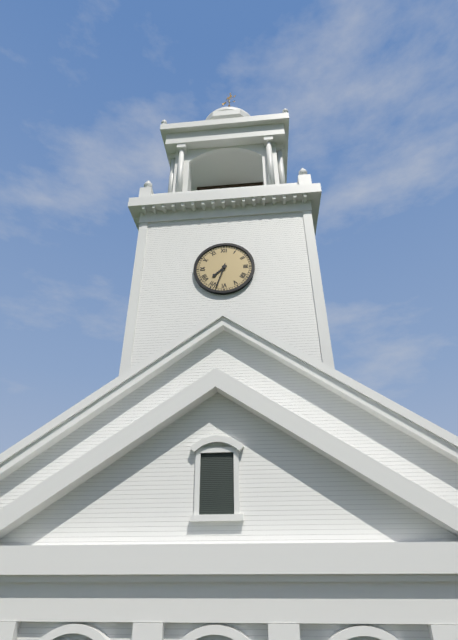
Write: h=7 m=33
